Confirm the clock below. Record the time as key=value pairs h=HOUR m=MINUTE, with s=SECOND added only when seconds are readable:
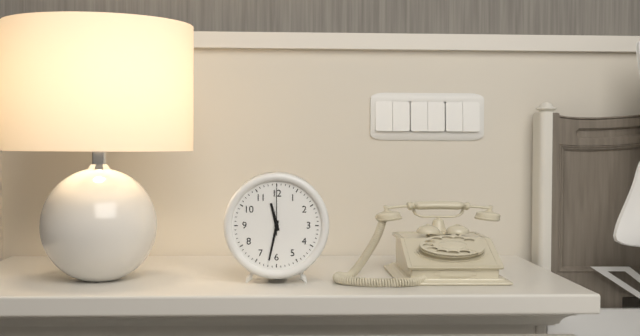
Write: h=11 m=32
